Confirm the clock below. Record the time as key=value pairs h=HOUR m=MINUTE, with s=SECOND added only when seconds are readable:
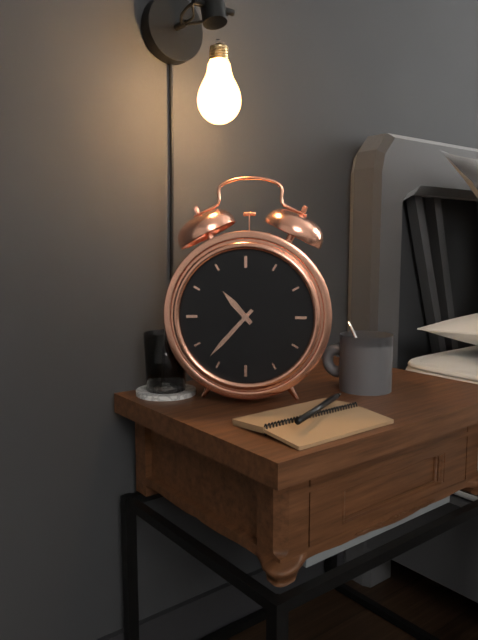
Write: h=10 m=37
